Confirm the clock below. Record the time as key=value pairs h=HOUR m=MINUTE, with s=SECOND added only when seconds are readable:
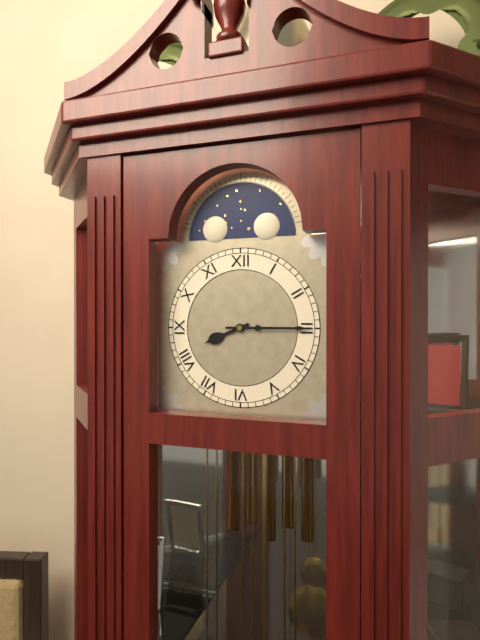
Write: h=8 m=15
